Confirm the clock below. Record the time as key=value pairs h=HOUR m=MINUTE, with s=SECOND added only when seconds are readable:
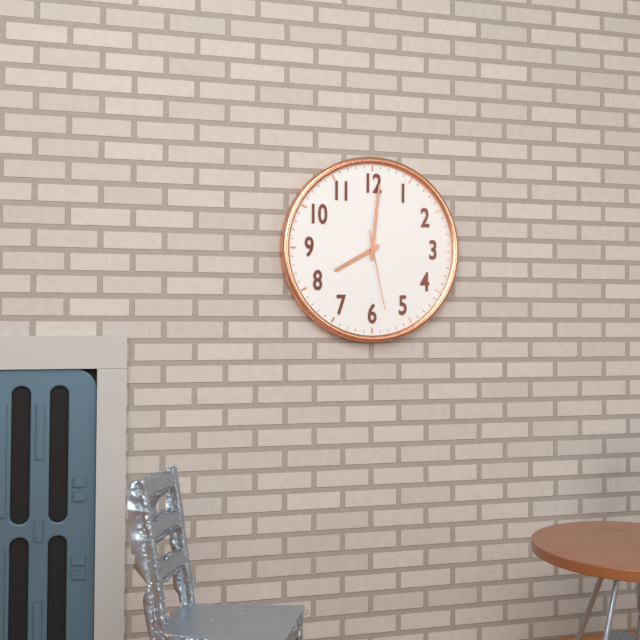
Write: h=8 m=1 s=28
